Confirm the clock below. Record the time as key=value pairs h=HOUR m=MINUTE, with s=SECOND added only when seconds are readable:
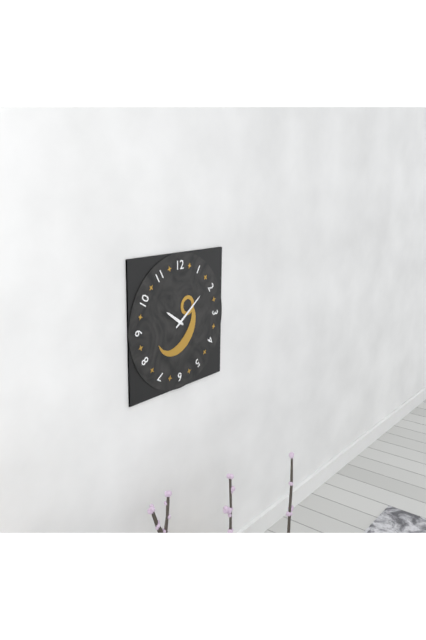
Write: h=10 m=9
